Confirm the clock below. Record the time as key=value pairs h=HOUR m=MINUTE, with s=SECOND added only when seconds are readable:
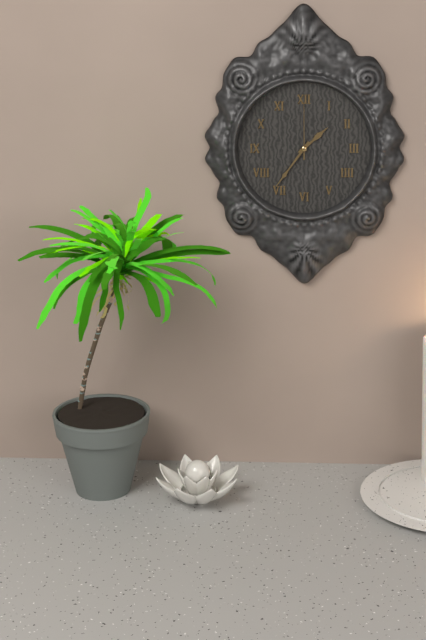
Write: h=1 m=36 s=0
